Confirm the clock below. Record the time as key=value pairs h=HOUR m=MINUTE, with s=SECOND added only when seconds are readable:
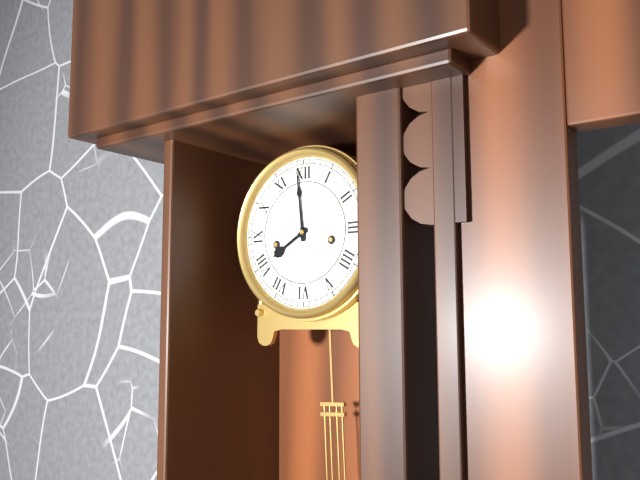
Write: h=7 m=59
